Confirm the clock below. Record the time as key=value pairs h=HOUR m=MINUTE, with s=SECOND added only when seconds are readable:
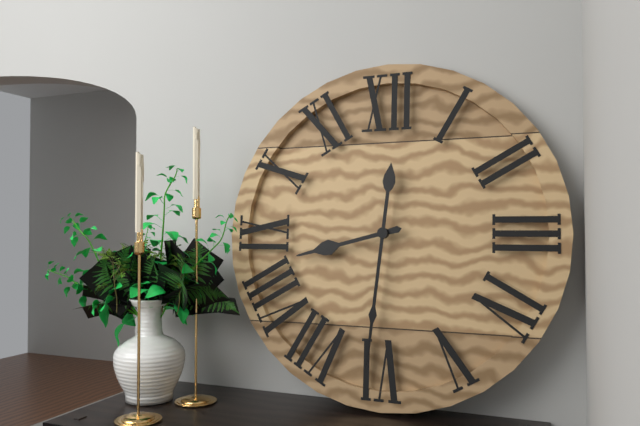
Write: h=8 m=31
